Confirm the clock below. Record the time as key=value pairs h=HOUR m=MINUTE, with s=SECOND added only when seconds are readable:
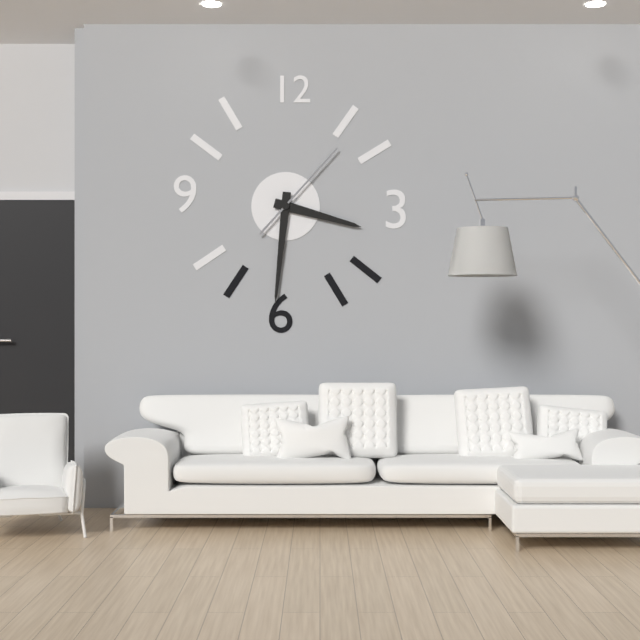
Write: h=3 m=31 s=7
